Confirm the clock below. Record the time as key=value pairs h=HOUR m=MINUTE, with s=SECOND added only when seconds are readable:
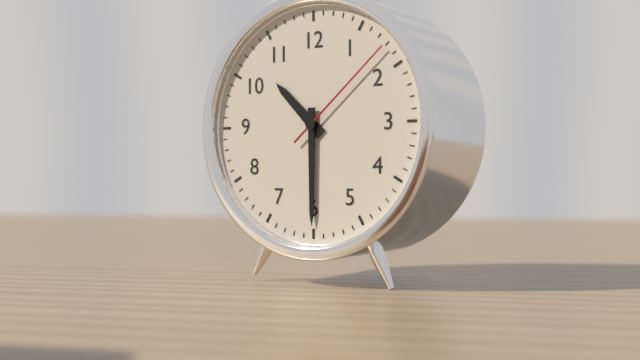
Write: h=10 m=30 s=8
